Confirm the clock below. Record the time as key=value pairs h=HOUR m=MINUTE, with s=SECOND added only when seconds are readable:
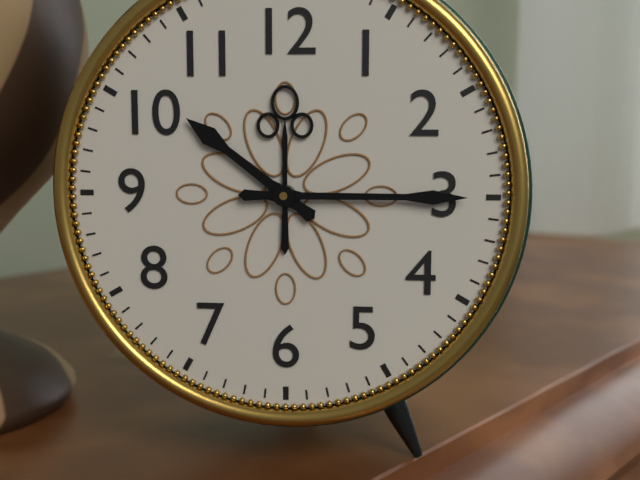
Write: h=10 m=15
